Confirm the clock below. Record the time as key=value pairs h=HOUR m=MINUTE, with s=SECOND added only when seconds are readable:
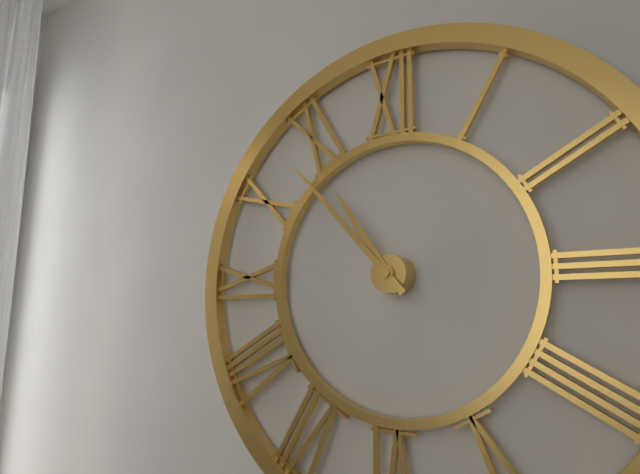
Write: h=10 m=53
